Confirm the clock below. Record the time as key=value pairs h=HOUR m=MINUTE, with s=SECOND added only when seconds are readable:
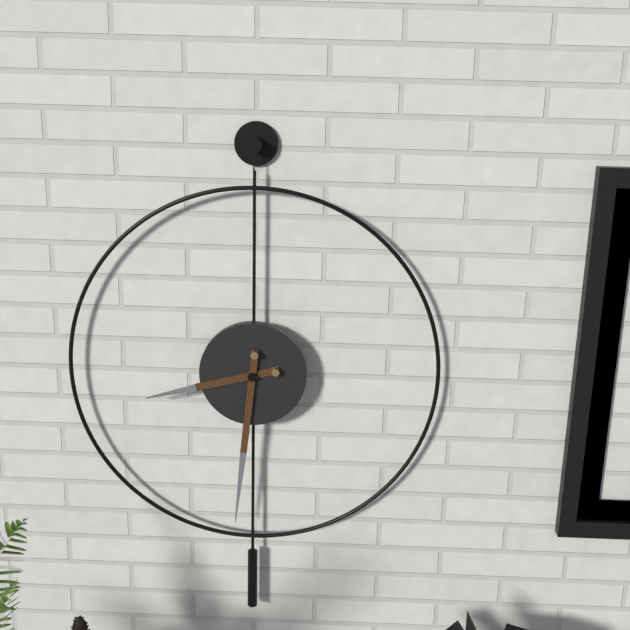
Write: h=8 m=31
